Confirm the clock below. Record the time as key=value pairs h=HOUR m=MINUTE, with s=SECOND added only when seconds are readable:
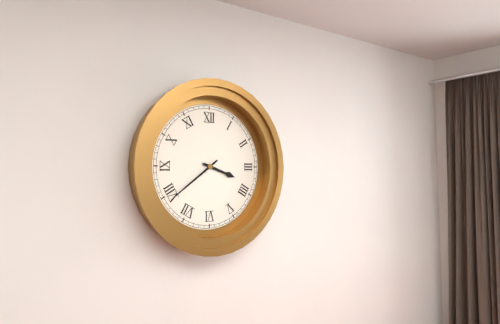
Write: h=3 m=39
